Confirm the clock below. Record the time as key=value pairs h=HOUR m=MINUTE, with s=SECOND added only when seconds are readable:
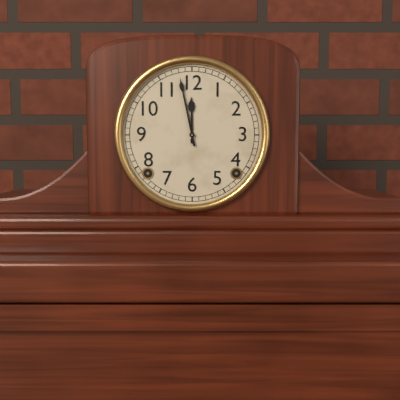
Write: h=11 m=58
